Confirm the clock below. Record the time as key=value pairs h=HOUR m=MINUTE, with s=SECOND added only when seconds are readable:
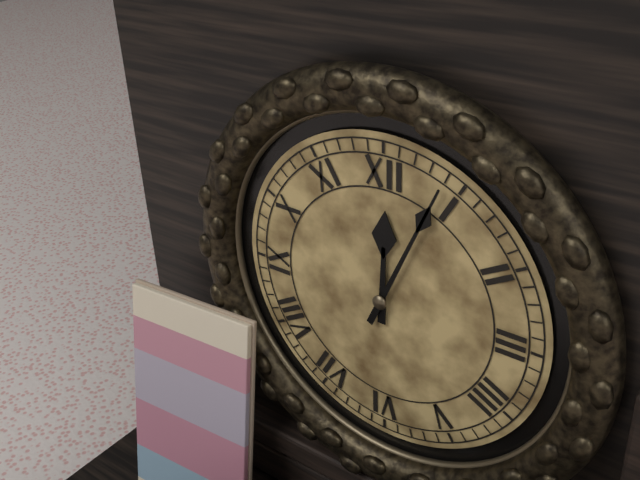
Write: h=12 m=4
